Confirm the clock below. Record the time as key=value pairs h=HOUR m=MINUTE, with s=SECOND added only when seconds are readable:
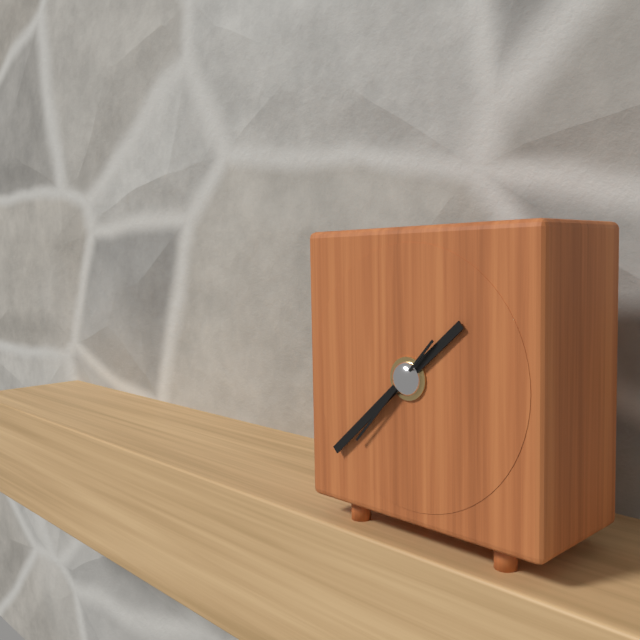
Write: h=1 m=38 s=37
